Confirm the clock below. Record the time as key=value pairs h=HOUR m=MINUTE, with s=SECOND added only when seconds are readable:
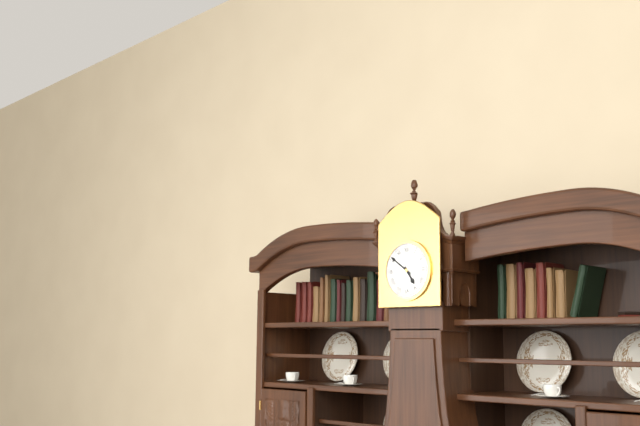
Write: h=4 m=51
